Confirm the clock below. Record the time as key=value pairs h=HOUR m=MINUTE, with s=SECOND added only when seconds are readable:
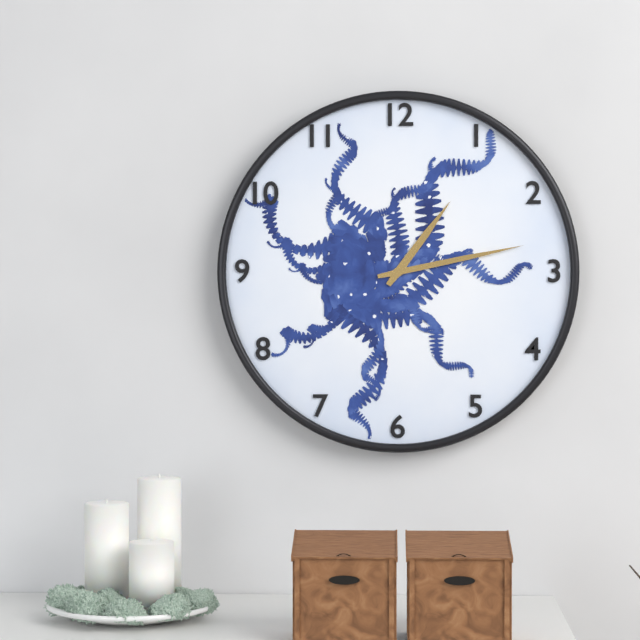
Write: h=1 m=13
